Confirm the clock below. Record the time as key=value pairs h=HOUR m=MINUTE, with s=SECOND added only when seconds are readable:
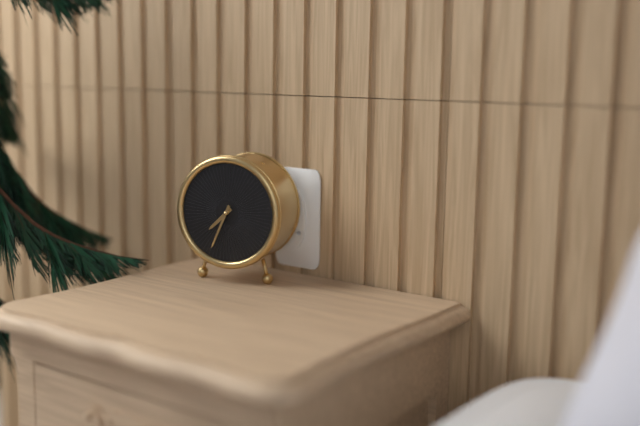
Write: h=7 m=34
